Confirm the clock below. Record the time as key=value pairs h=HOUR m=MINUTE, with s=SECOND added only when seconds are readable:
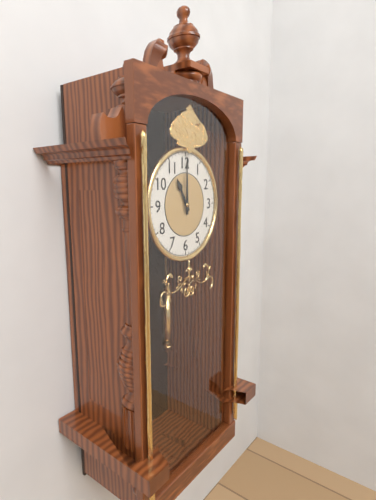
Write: h=11 m=0
